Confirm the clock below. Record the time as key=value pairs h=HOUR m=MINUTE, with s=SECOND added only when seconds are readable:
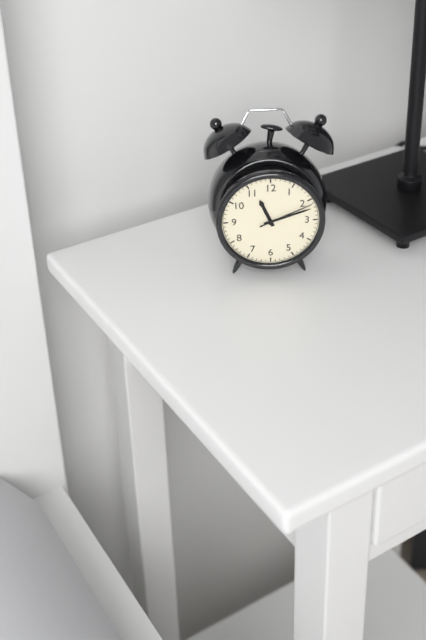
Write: h=11 m=12 s=11
